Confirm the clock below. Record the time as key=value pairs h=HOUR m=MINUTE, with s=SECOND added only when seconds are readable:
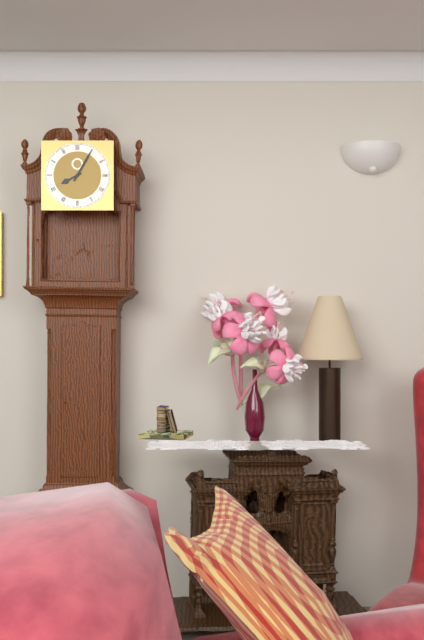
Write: h=8 m=5
